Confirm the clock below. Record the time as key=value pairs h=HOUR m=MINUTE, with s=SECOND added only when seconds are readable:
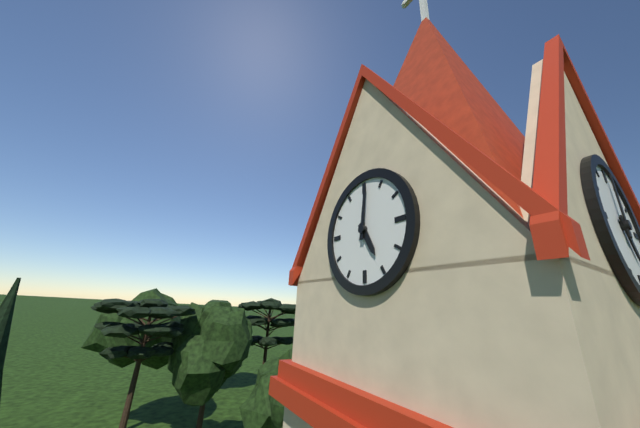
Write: h=5 m=1
